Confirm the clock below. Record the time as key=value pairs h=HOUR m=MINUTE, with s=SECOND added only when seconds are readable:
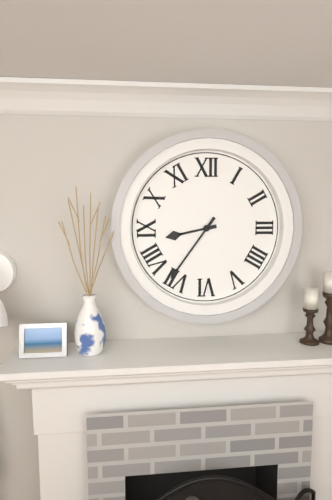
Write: h=8 m=36
